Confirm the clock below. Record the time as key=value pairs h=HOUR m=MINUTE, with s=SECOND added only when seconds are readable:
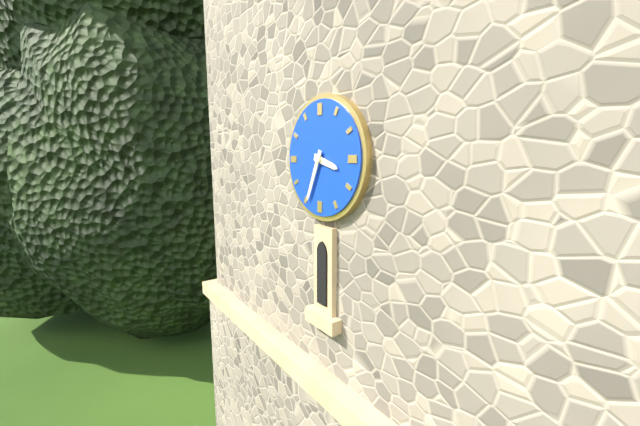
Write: h=3 m=34
